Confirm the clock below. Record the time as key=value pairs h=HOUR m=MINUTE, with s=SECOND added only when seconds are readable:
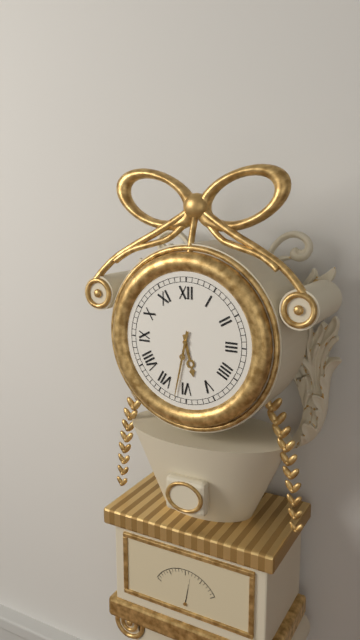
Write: h=5 m=32
